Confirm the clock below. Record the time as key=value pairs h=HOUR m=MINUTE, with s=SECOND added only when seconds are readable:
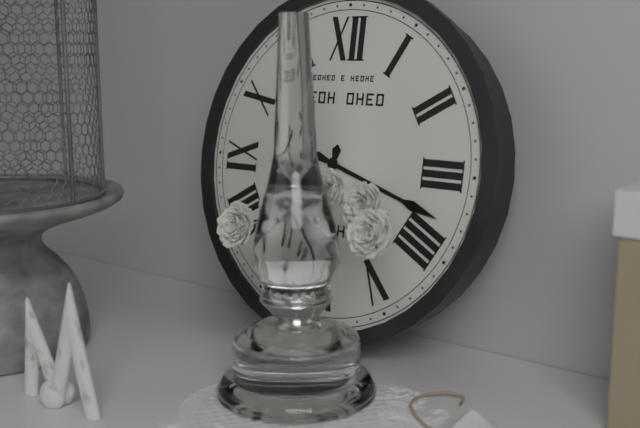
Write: h=6 m=18
